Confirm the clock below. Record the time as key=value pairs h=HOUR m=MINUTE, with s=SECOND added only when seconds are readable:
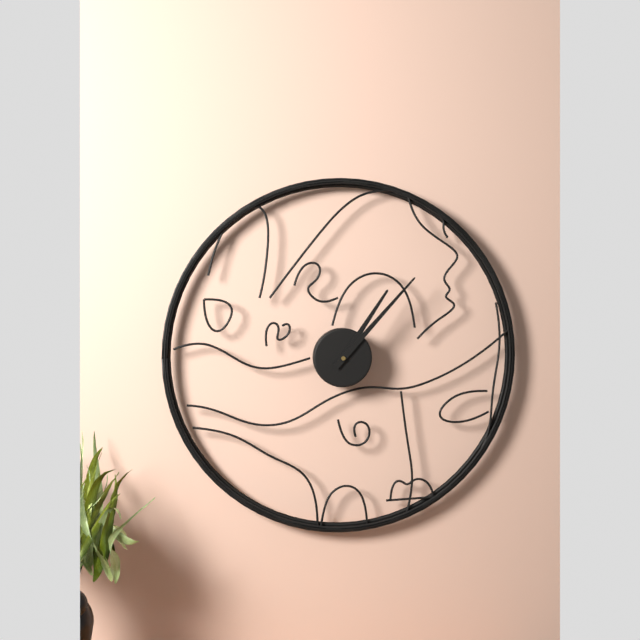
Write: h=1 m=7
